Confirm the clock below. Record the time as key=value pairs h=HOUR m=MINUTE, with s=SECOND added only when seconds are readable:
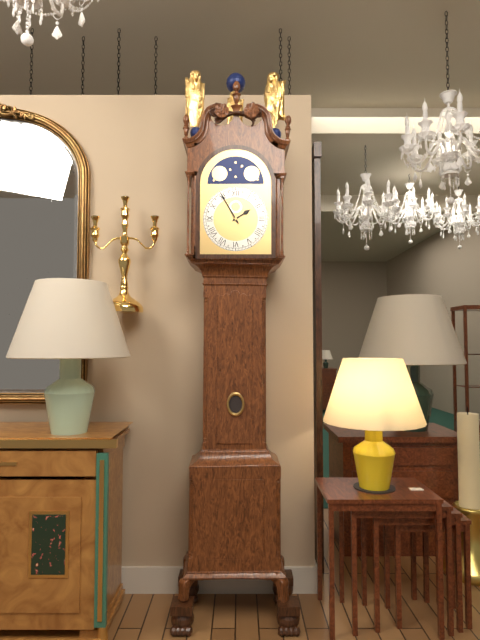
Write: h=1 m=55
